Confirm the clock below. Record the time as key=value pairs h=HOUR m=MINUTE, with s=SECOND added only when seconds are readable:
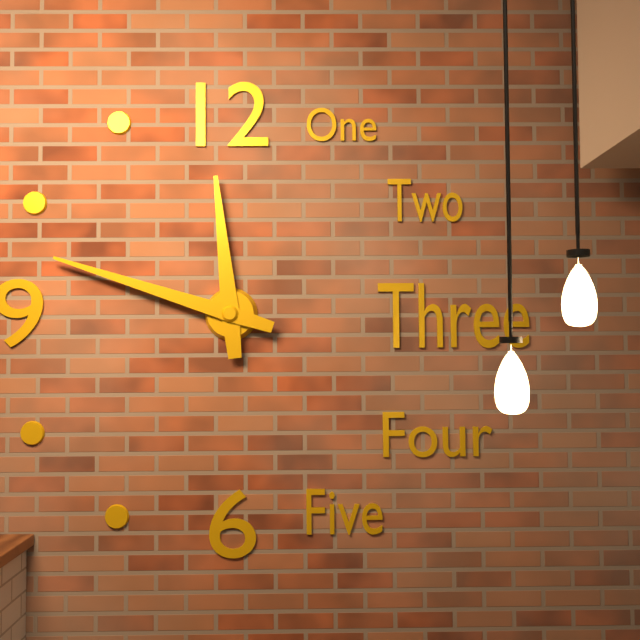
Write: h=11 m=48
